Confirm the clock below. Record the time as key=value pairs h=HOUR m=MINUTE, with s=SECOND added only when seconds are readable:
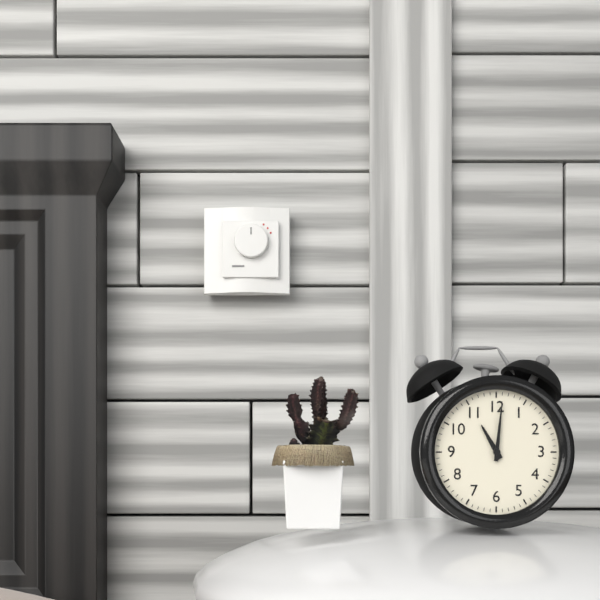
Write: h=11 m=1
